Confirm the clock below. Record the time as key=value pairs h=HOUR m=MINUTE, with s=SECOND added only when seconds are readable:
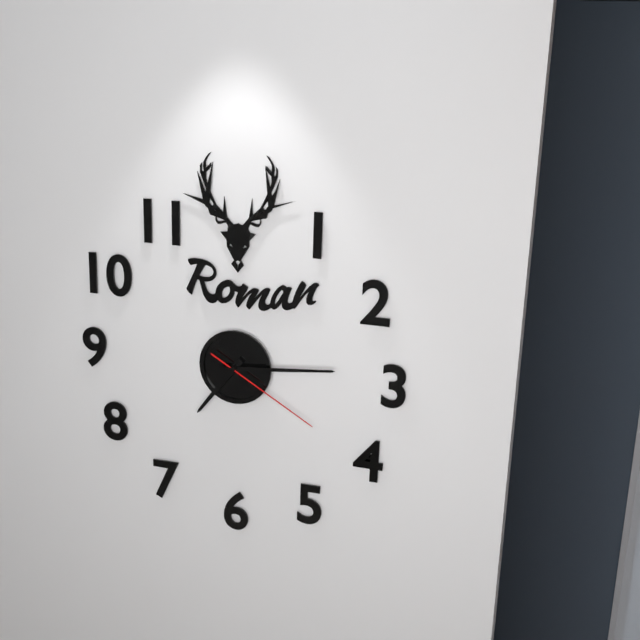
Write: h=7 m=14 s=20
